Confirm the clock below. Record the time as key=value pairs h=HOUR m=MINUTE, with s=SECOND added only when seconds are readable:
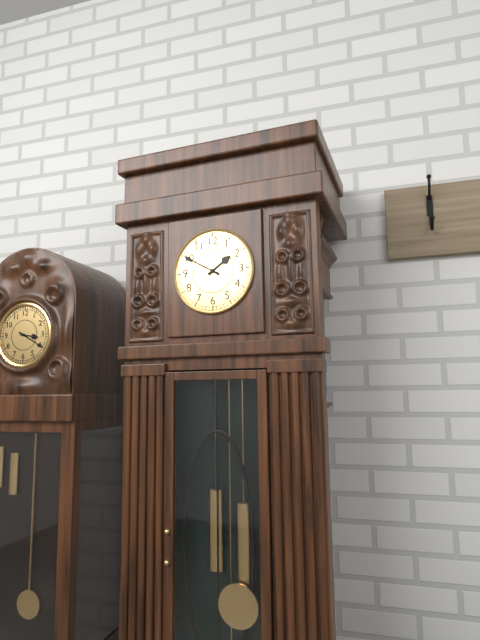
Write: h=1 m=50
